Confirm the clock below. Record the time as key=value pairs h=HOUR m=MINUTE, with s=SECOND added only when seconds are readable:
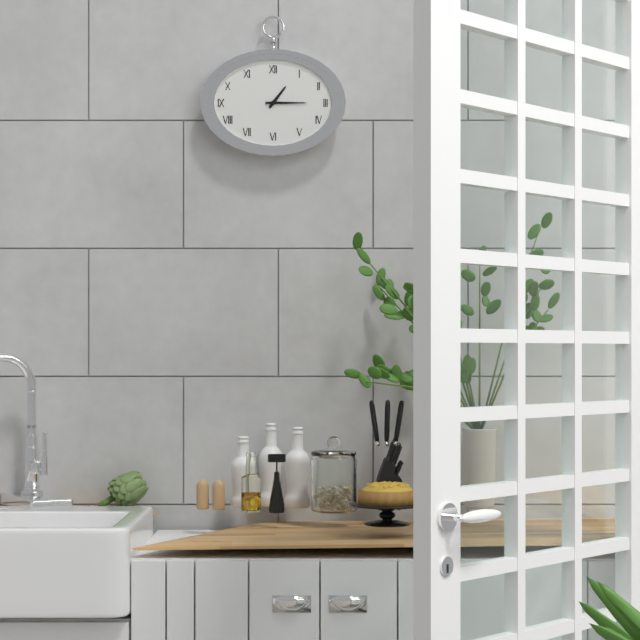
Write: h=1 m=15
